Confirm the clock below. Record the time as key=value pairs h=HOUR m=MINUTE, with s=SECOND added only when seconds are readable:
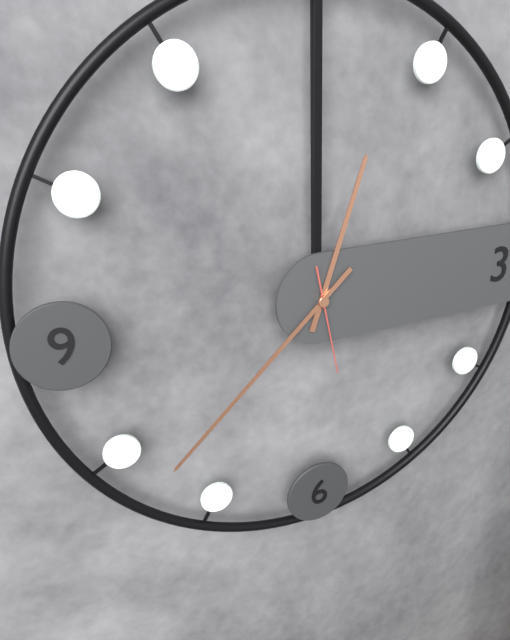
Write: h=12 m=38 s=28
